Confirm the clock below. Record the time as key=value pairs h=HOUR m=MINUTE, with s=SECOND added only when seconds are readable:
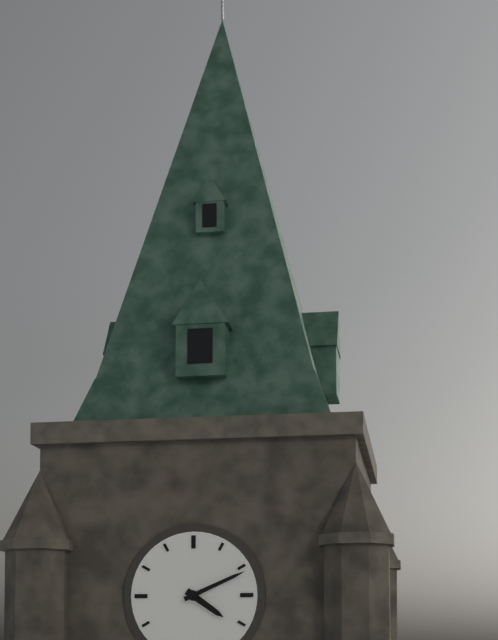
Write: h=4 m=11
